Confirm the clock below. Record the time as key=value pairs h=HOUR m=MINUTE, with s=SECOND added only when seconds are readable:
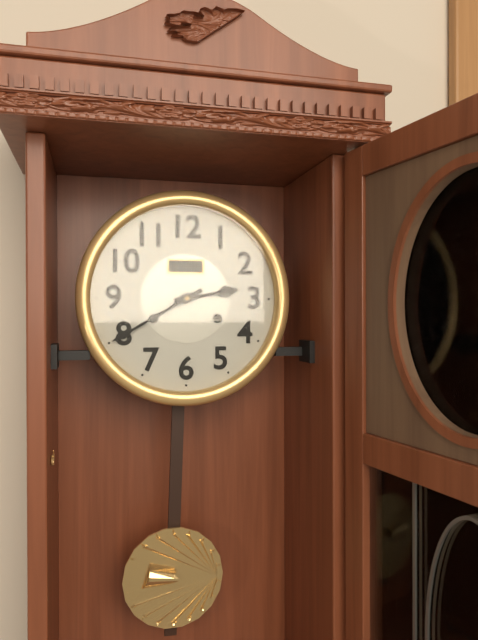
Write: h=2 m=40
